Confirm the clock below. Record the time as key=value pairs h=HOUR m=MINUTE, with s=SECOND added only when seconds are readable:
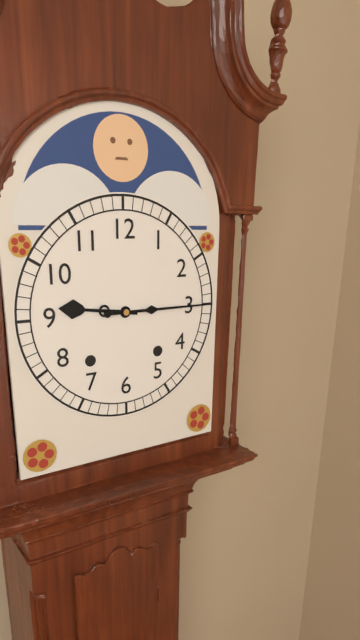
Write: h=9 m=15
